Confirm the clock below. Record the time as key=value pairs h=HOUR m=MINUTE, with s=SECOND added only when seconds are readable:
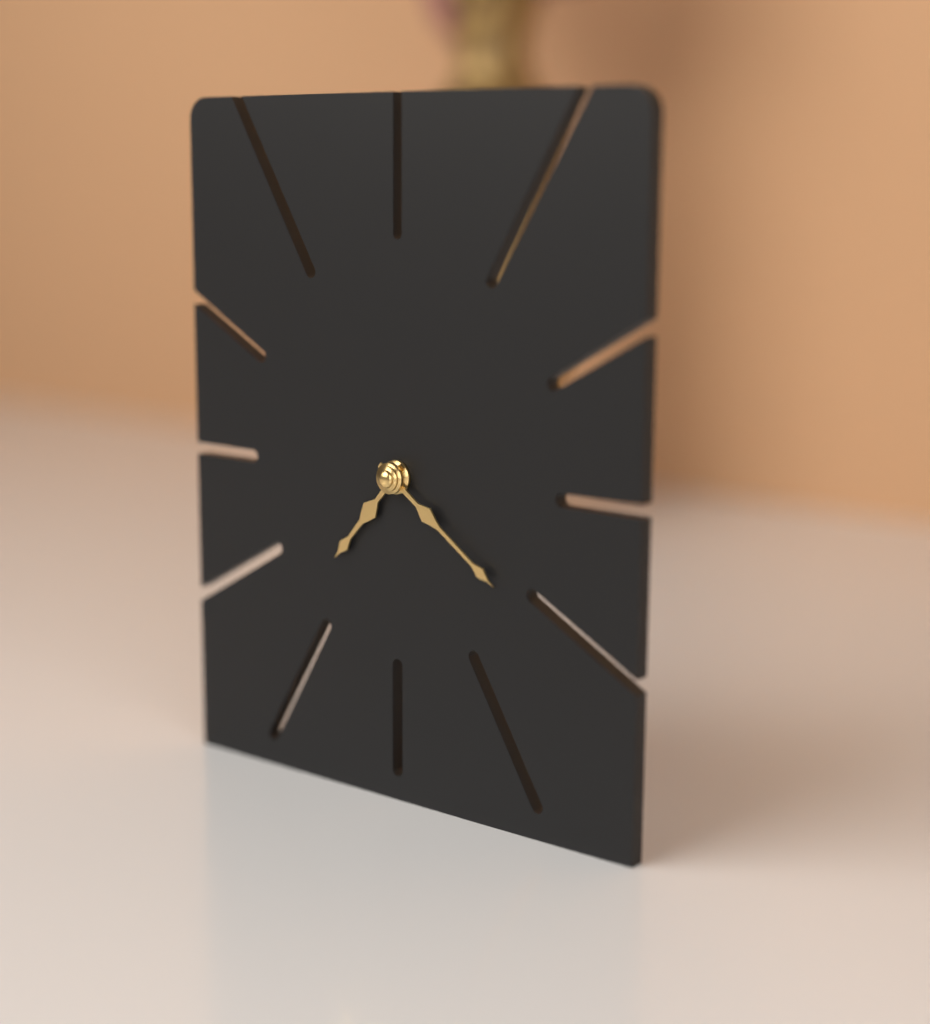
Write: h=7 m=21
